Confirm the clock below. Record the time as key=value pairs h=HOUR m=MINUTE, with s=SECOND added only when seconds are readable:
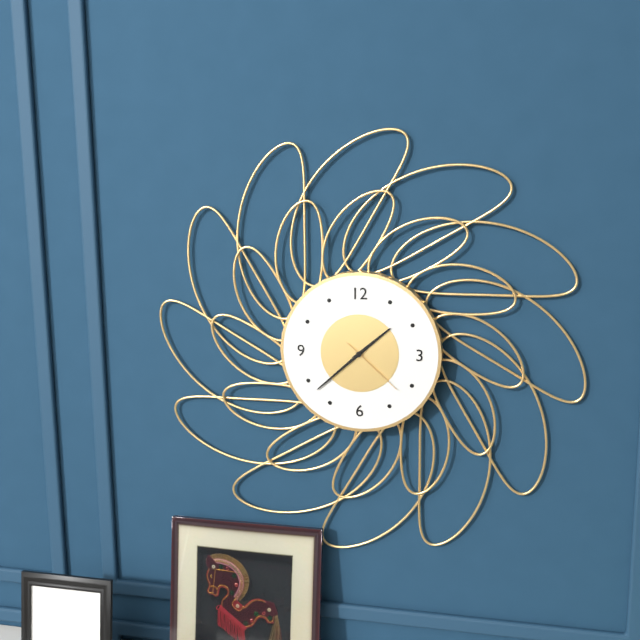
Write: h=1 m=38 s=22
